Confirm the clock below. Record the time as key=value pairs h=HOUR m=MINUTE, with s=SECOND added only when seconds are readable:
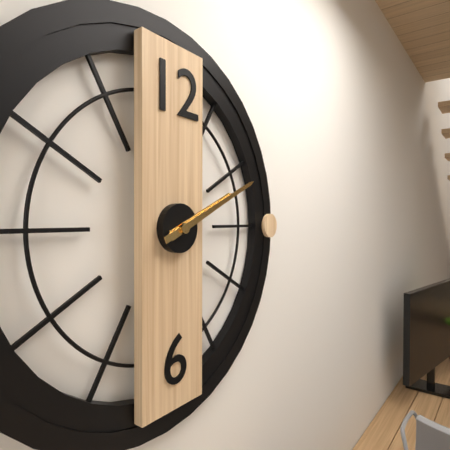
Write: h=2 m=11
